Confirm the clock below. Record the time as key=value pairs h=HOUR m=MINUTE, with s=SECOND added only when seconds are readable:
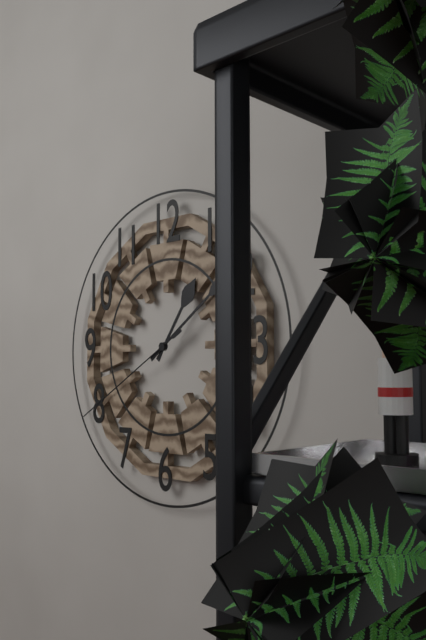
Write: h=1 m=9 s=40
